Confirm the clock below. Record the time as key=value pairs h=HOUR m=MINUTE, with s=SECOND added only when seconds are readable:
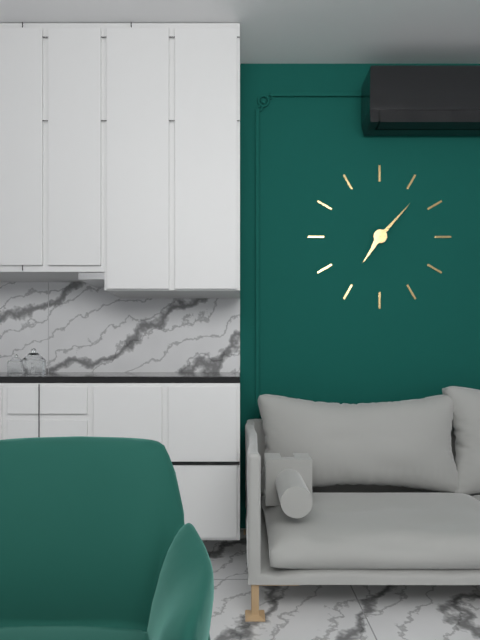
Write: h=7 m=7
